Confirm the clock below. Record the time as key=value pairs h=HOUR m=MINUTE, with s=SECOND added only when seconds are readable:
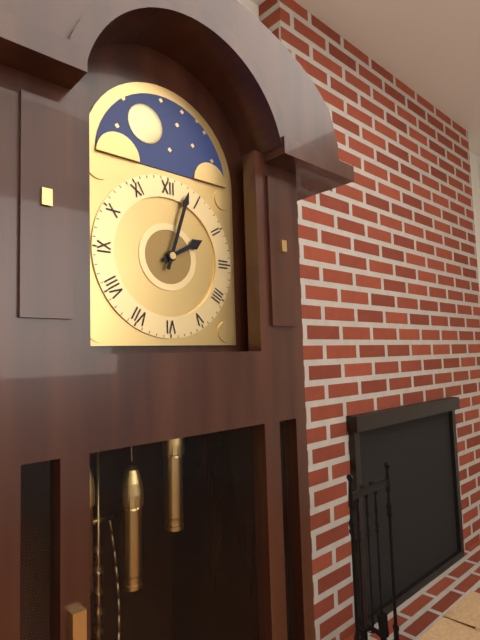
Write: h=2 m=3
